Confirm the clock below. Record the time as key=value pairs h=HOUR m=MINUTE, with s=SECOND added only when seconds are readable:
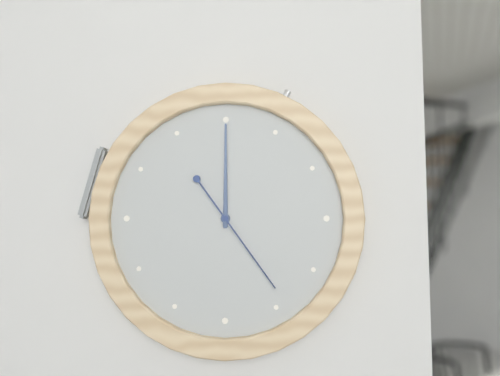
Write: h=12 m=0 s=24
